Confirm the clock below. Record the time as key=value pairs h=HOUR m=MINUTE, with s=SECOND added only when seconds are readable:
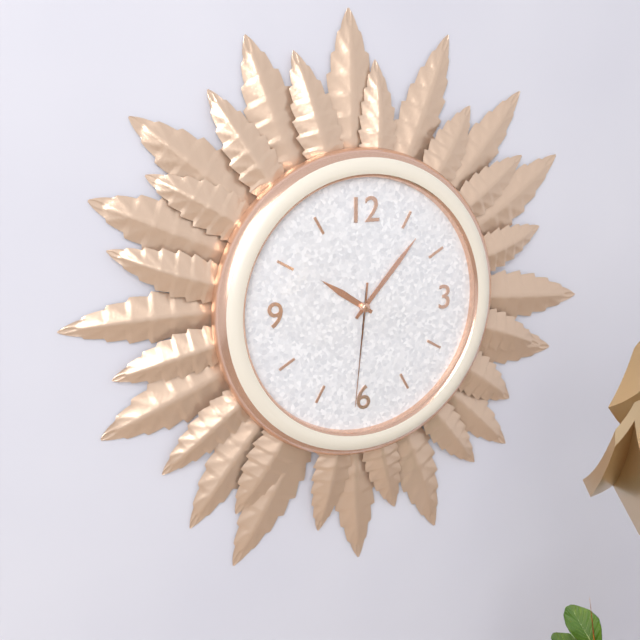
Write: h=10 m=7 s=31
